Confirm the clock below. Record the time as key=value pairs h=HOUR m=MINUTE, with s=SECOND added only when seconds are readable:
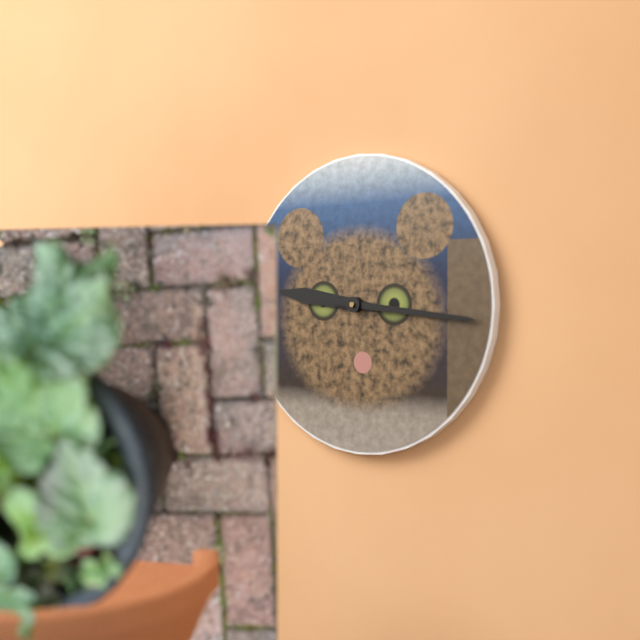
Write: h=9 m=16
